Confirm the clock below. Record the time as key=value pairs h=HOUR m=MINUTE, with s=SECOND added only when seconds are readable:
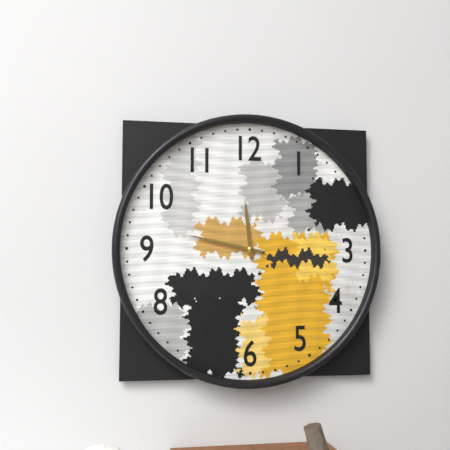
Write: h=11 m=47
